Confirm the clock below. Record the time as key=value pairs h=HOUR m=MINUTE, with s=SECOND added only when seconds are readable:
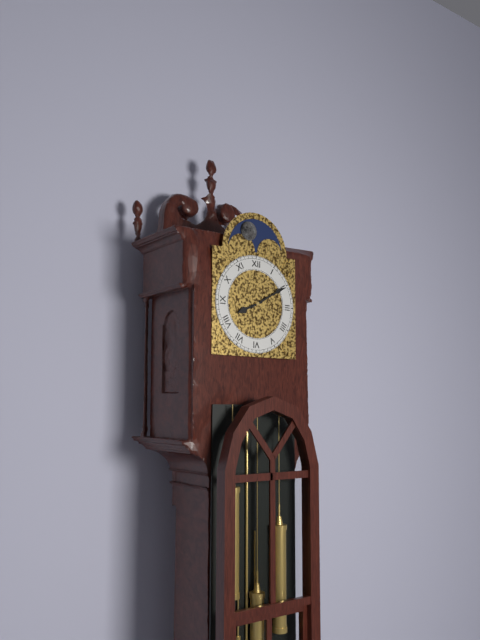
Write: h=8 m=10
